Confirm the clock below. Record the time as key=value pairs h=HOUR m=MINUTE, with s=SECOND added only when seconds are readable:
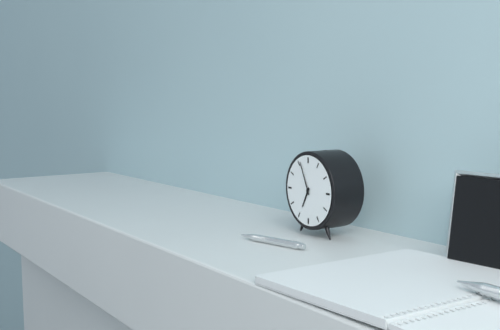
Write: h=6 m=56
